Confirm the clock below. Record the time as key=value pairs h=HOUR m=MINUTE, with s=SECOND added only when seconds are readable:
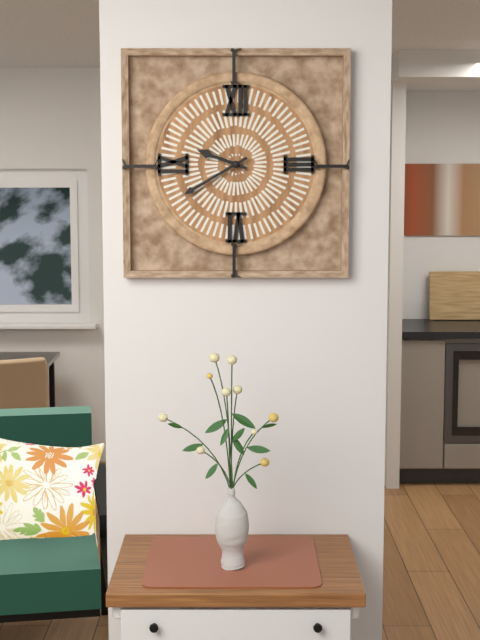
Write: h=9 m=40
